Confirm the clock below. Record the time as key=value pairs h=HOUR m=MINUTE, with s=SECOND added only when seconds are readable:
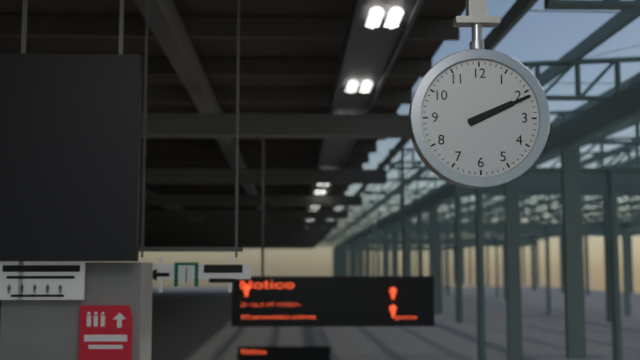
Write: h=2 m=11
